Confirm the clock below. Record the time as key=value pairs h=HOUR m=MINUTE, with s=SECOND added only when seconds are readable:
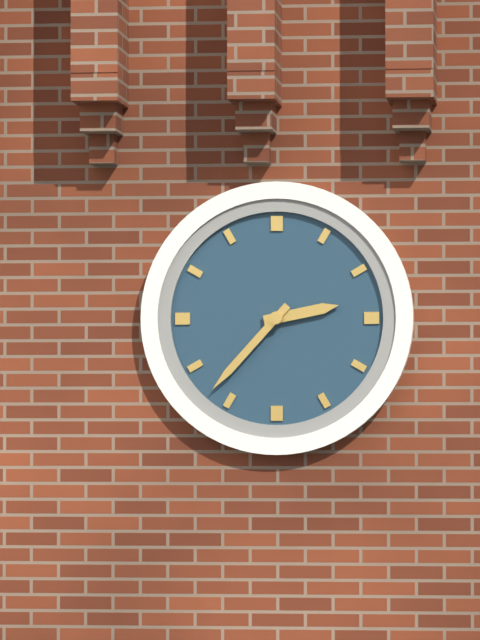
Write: h=2 m=37
